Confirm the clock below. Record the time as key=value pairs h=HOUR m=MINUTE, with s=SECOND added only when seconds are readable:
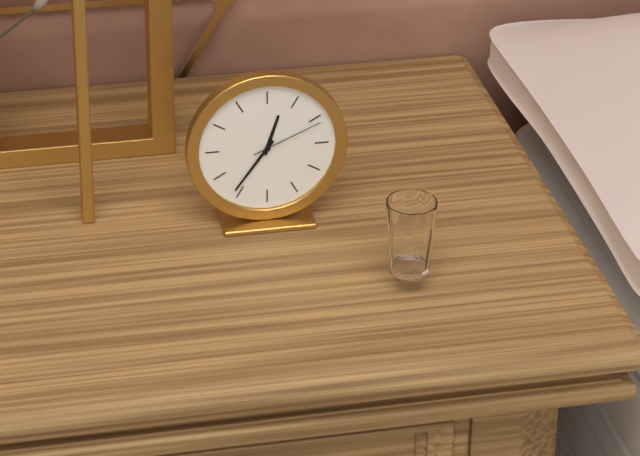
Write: h=12 m=36 s=11
